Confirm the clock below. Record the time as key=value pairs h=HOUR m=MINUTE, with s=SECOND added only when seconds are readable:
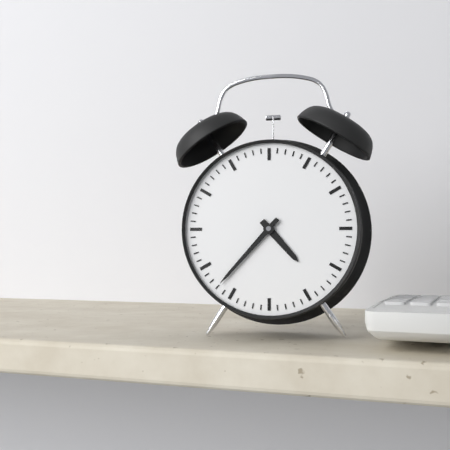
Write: h=4 m=37
